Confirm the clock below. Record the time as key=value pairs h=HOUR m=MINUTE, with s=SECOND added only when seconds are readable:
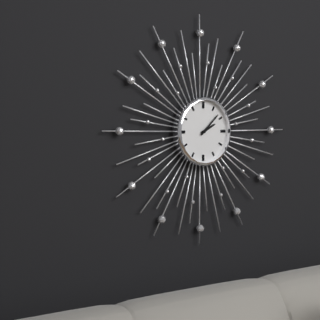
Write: h=2 m=8
